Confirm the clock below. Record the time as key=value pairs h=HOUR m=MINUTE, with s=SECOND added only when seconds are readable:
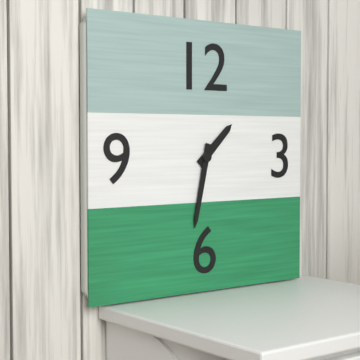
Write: h=1 m=32
